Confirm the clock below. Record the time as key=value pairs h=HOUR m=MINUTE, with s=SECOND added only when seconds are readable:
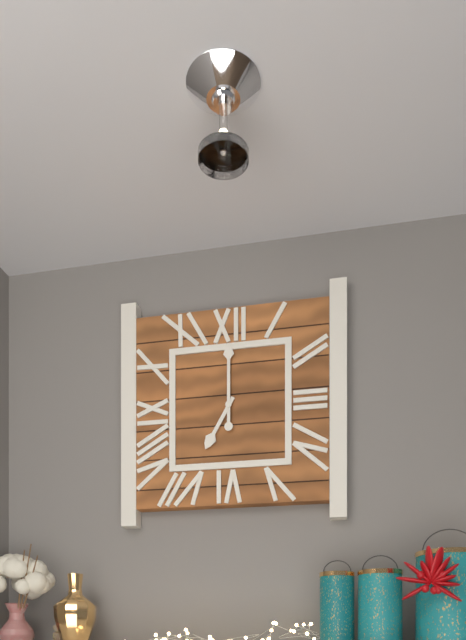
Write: h=7 m=0
